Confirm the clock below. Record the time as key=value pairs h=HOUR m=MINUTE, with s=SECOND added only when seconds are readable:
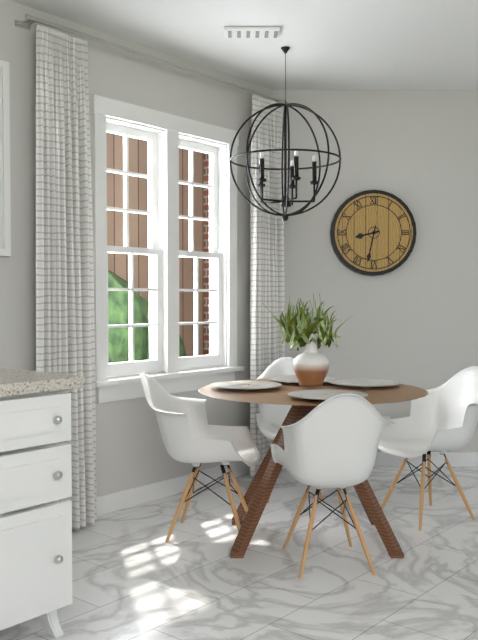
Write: h=8 m=32
